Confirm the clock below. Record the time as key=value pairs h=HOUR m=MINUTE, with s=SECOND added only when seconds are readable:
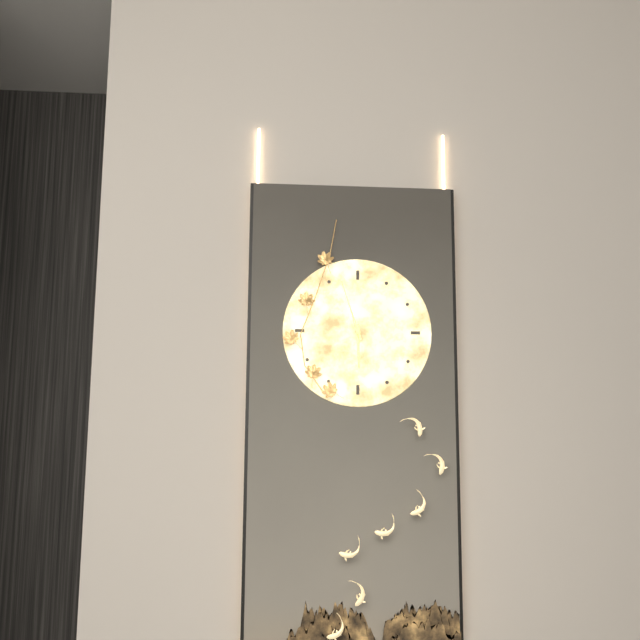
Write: h=5 m=57
